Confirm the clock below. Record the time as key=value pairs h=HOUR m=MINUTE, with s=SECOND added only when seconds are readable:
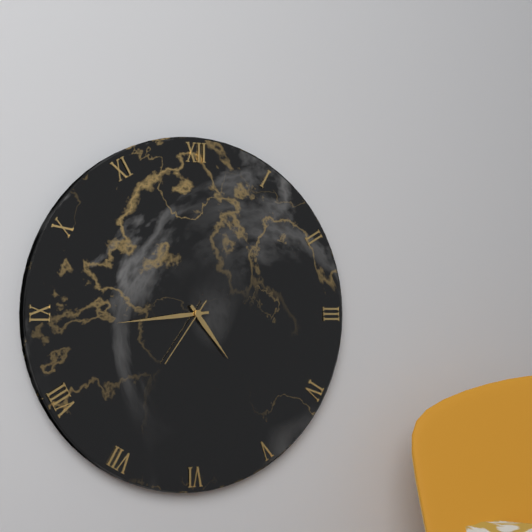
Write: h=4 m=44 s=36
